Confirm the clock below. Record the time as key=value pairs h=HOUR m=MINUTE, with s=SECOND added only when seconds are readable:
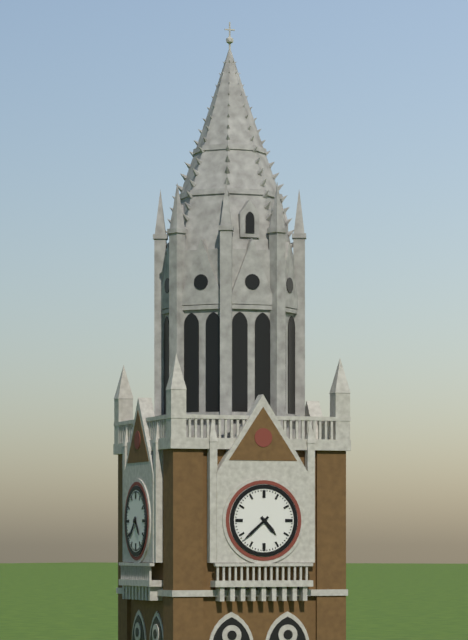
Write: h=4 m=38
